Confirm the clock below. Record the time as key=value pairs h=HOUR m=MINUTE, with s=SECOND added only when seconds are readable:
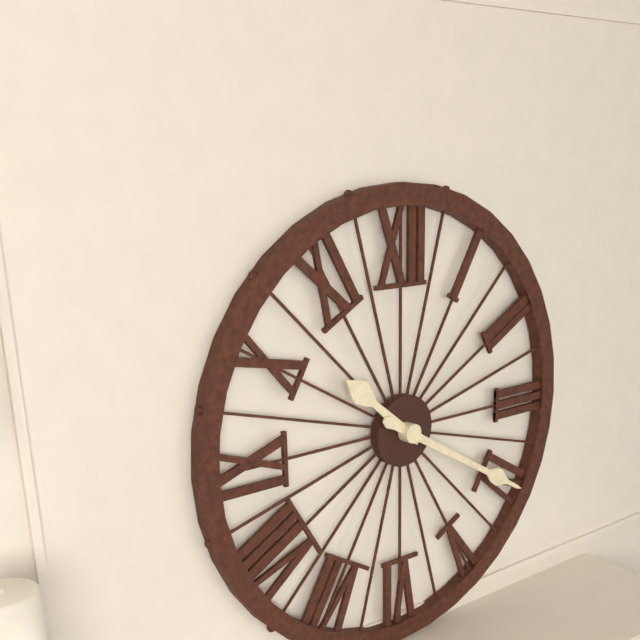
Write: h=10 m=20
